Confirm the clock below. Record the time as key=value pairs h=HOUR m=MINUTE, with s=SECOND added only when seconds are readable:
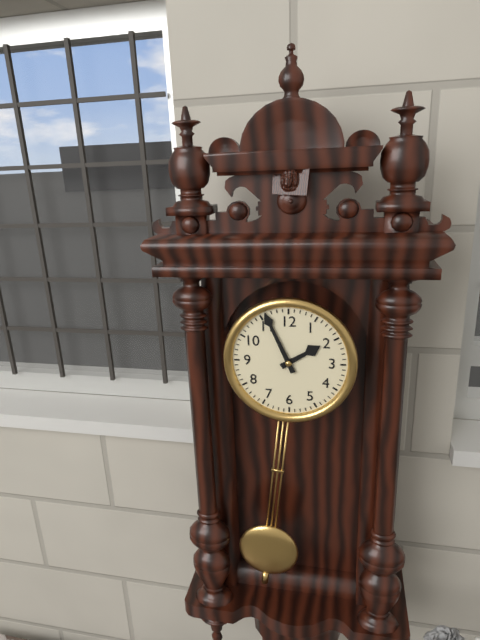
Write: h=1 m=56
